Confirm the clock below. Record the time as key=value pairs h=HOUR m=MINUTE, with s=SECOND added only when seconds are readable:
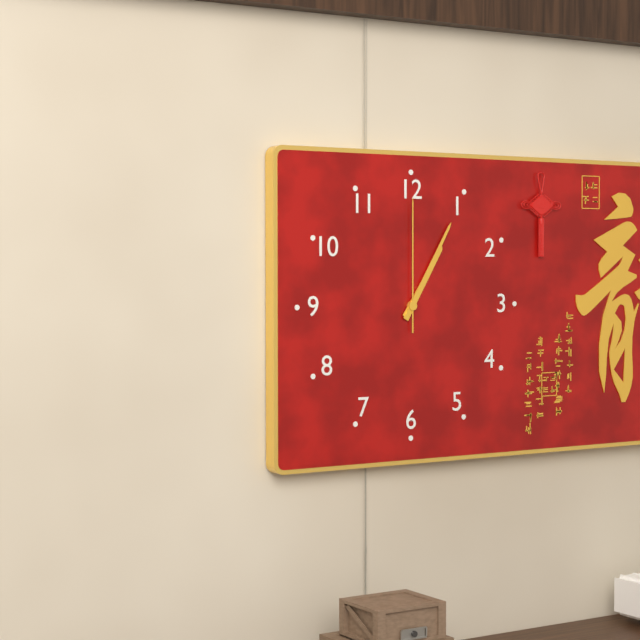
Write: h=1 m=5 s=0
